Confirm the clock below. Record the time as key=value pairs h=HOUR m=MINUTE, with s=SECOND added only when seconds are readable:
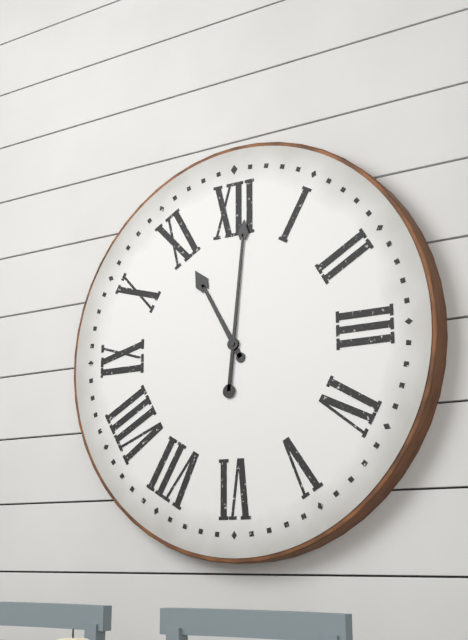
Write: h=11 m=1
